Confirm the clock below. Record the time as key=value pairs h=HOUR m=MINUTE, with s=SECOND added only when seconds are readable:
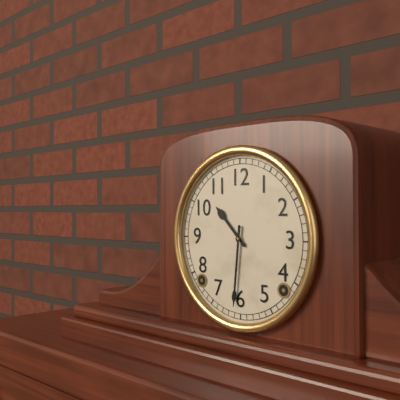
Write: h=10 m=31
